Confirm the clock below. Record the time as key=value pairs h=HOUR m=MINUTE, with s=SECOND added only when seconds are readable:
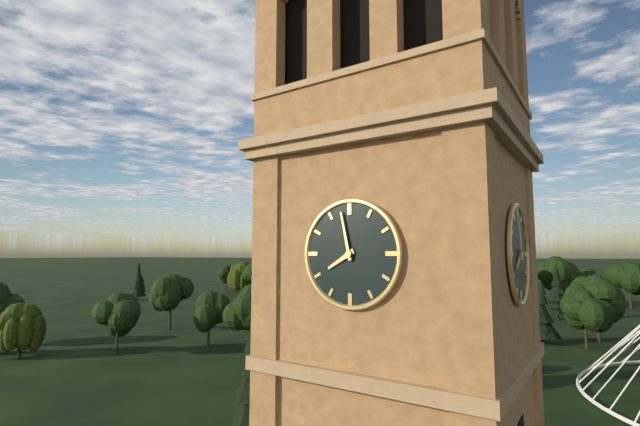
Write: h=7 m=58
